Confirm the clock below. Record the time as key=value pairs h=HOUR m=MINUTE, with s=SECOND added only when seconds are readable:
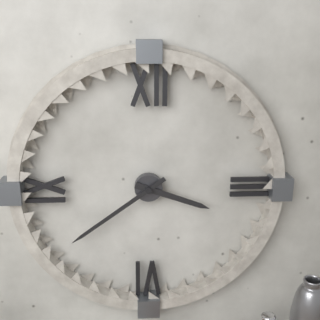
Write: h=3 m=39
